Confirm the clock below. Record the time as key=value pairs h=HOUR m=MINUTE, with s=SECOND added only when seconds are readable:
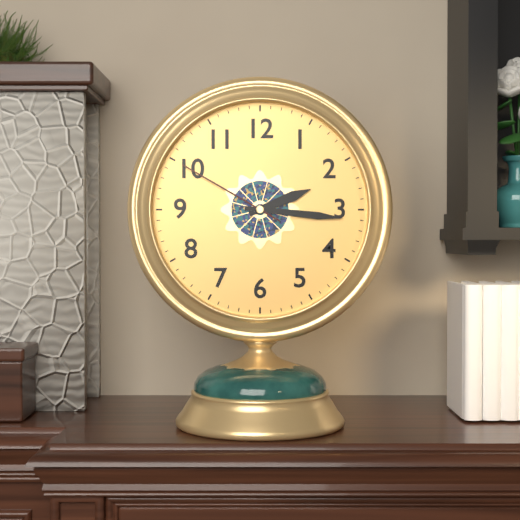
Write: h=2 m=16 s=50
